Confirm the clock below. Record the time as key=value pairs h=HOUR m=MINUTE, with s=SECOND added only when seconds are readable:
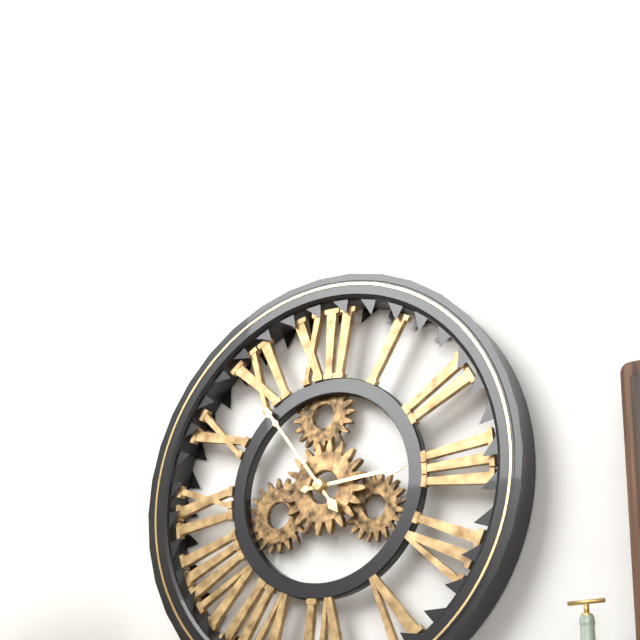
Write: h=2 m=54
